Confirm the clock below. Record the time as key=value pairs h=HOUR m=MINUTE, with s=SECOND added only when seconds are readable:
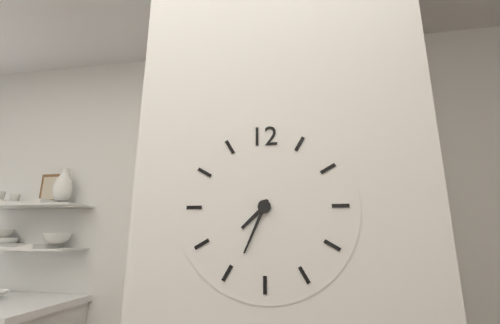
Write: h=7 m=34
